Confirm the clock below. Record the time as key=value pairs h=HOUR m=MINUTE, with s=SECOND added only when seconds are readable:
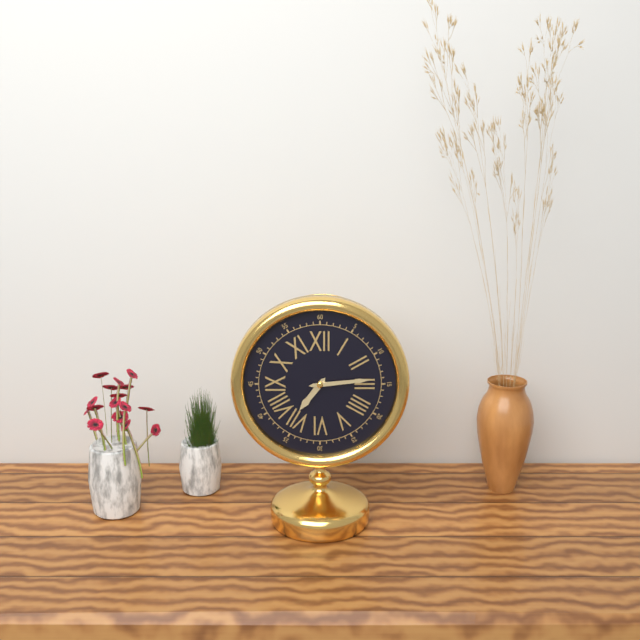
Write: h=7 m=14
